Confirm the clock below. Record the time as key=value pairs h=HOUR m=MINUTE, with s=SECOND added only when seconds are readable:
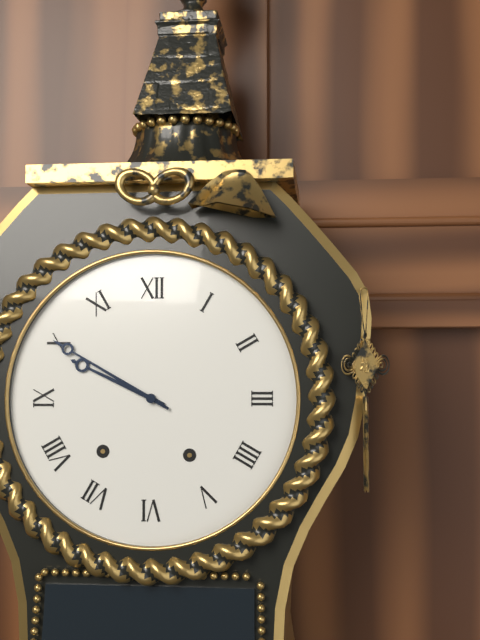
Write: h=9 m=50
